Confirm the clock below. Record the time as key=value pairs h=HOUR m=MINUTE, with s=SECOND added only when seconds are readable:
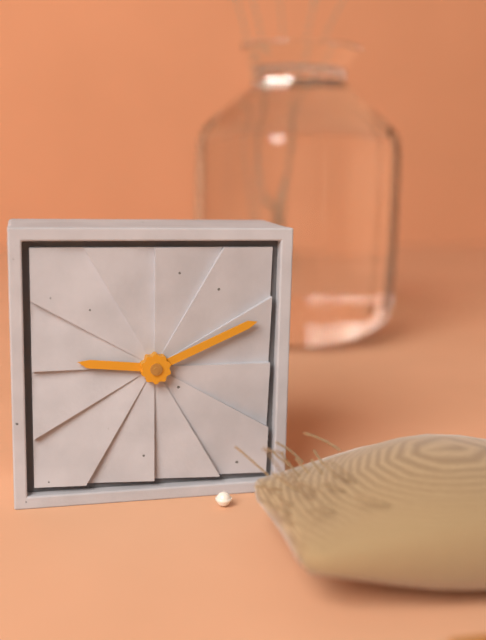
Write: h=9 m=11
